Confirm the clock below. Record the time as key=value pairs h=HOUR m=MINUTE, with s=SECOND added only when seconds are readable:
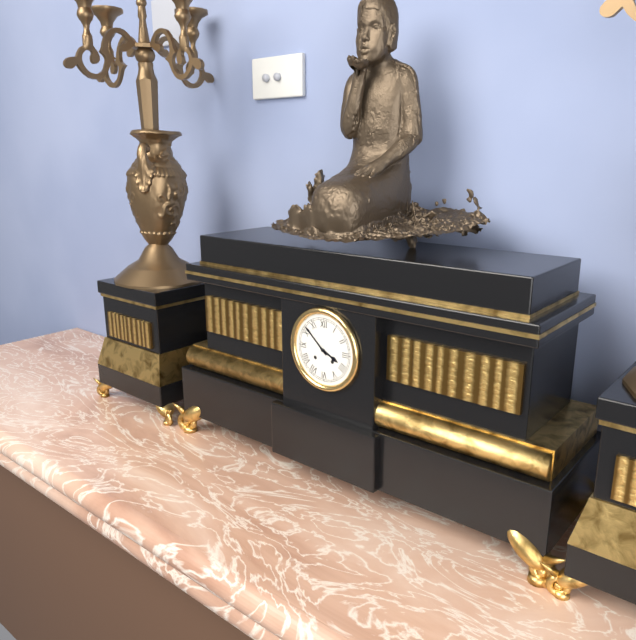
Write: h=3 m=52
